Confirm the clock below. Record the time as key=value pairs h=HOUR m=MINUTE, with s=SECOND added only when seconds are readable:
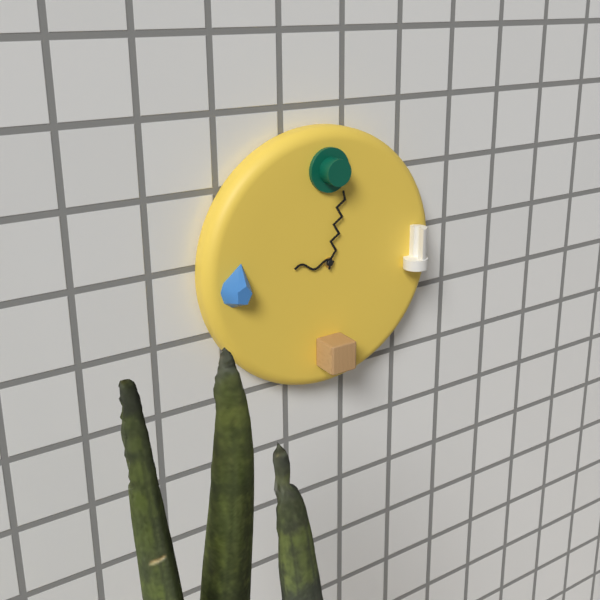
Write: h=9 m=2
